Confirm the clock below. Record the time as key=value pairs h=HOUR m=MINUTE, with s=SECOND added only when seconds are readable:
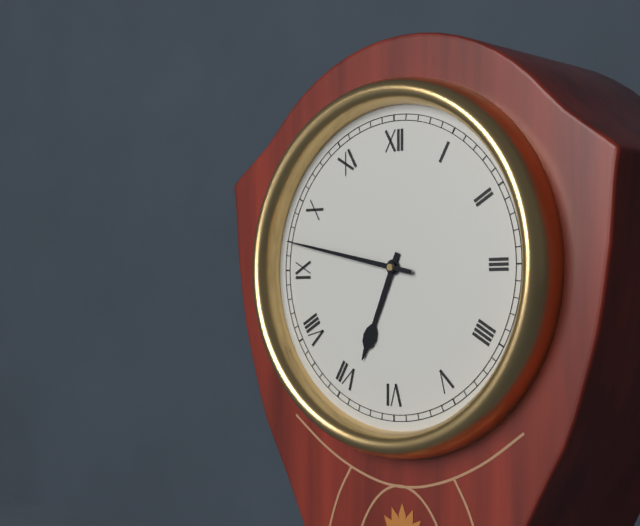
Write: h=6 m=47
